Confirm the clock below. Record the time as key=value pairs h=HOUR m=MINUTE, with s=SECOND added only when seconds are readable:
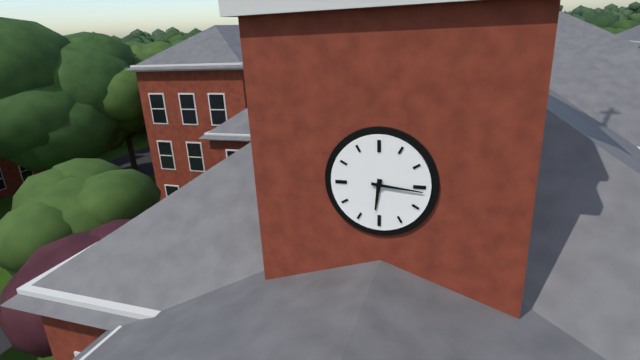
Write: h=6 m=16
